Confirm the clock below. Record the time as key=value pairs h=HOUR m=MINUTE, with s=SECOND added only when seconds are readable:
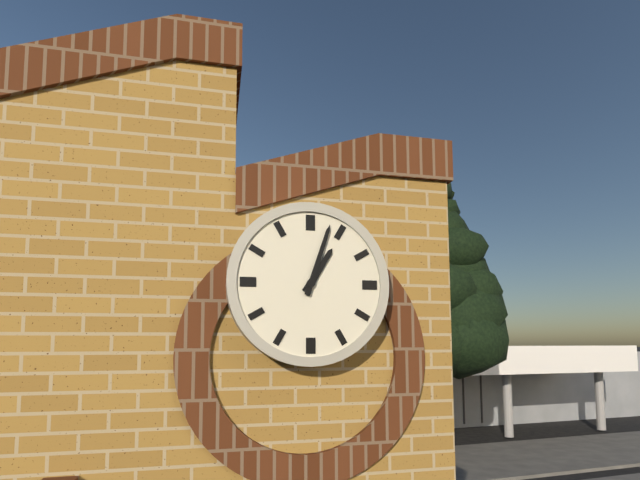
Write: h=1 m=3
